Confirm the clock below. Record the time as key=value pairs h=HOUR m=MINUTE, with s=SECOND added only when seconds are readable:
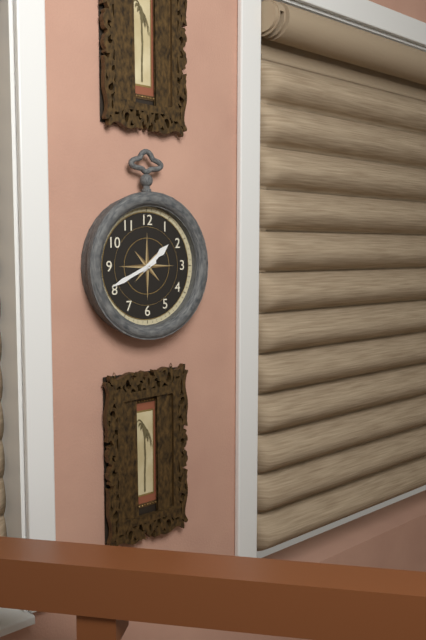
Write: h=1 m=41
